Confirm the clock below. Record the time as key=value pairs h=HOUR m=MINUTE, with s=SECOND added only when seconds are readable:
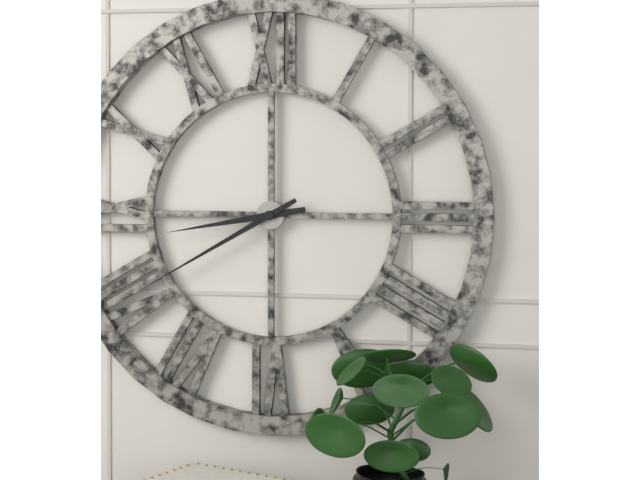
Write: h=8 m=40
